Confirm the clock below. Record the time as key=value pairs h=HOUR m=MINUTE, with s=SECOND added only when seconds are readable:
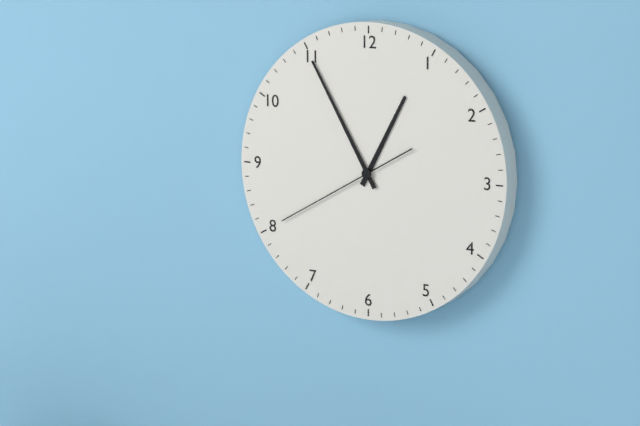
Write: h=12 m=55 s=40
